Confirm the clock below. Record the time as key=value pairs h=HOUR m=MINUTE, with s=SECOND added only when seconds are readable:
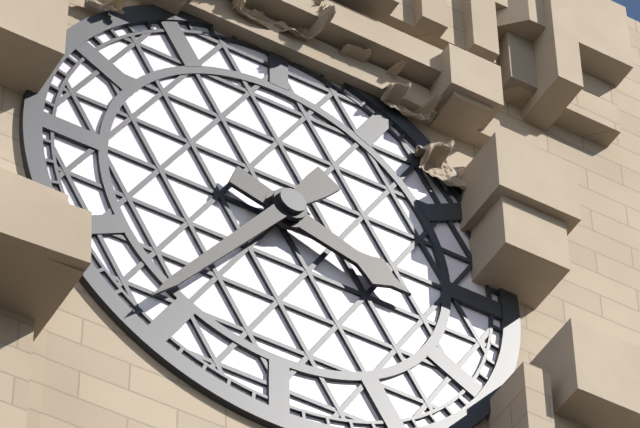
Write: h=3 m=36
